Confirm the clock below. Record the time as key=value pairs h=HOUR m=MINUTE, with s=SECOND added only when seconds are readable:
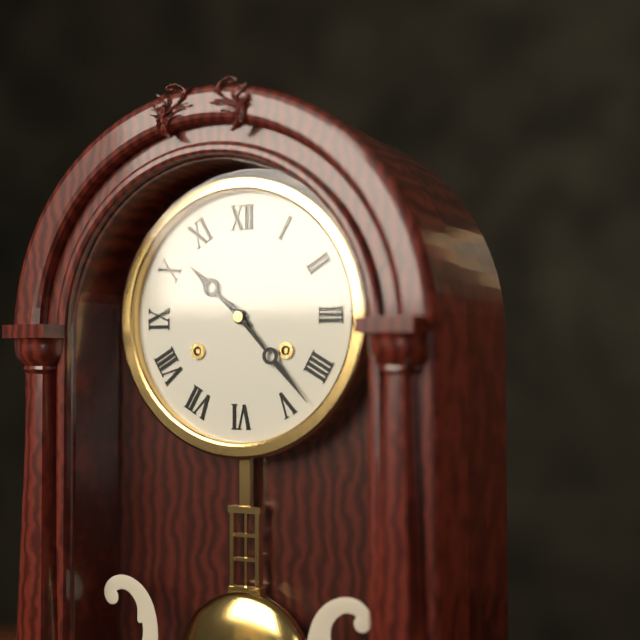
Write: h=10 m=23
